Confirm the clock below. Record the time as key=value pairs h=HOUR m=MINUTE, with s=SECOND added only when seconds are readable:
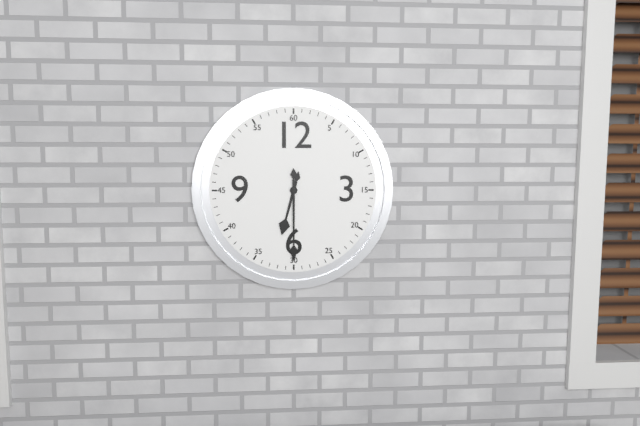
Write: h=6 m=30
